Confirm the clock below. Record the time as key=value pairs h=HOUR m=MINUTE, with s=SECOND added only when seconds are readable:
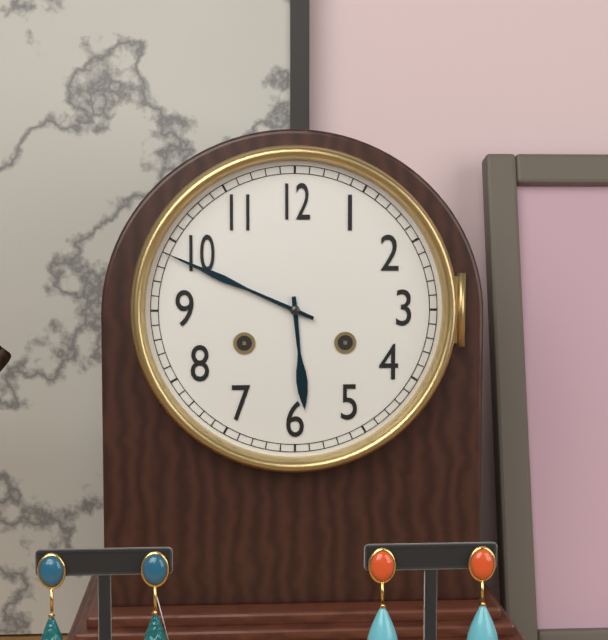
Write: h=5 m=49
